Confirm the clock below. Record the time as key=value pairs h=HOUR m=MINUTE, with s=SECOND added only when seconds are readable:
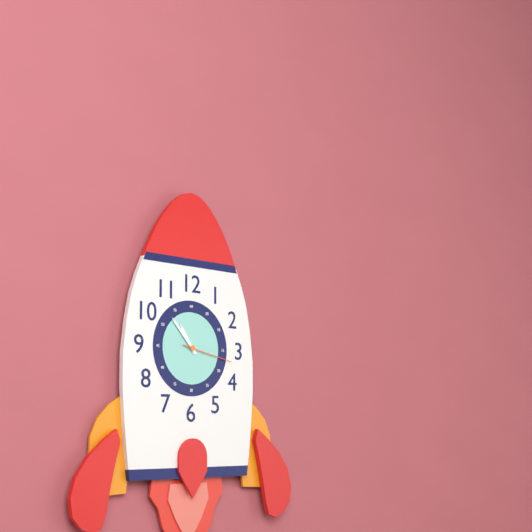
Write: h=10 m=53 s=17
